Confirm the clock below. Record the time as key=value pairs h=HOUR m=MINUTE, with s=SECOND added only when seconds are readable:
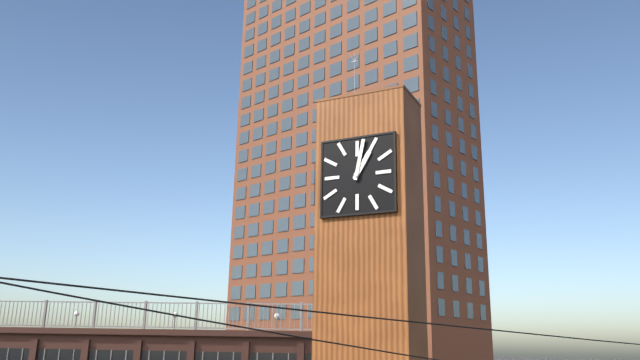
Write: h=1 m=2
